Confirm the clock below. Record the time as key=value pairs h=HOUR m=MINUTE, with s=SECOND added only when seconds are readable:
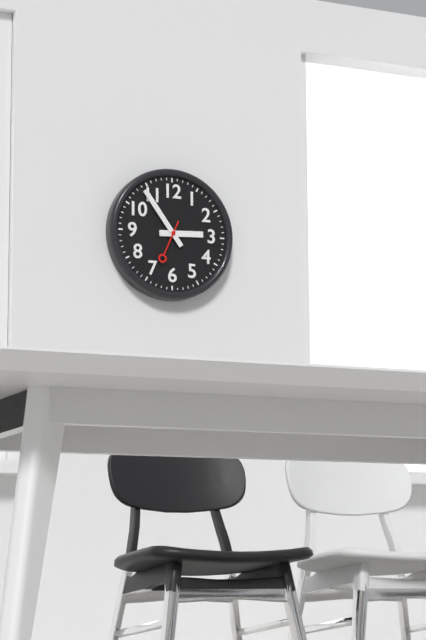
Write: h=2 m=54
